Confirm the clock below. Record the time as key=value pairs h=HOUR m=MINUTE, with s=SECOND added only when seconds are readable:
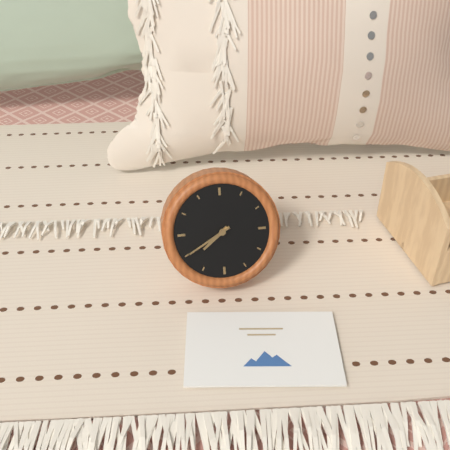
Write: h=7 m=40
